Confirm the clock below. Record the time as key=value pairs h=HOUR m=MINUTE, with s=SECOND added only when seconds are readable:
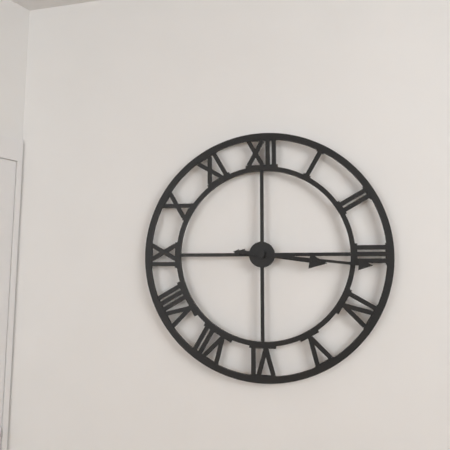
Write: h=3 m=16
